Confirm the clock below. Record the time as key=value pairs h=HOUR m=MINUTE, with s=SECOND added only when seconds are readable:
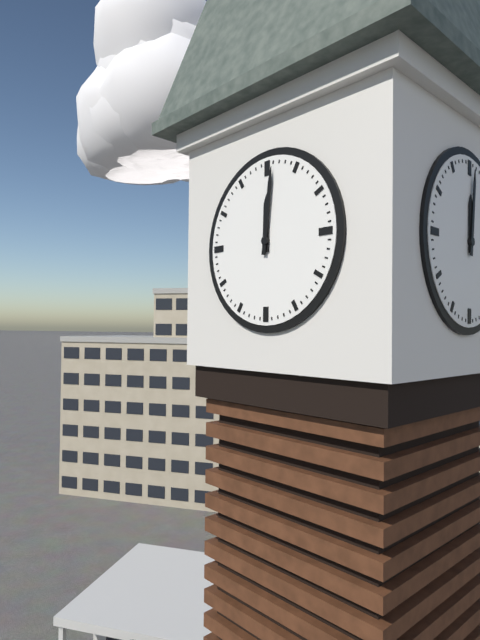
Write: h=12 m=1
